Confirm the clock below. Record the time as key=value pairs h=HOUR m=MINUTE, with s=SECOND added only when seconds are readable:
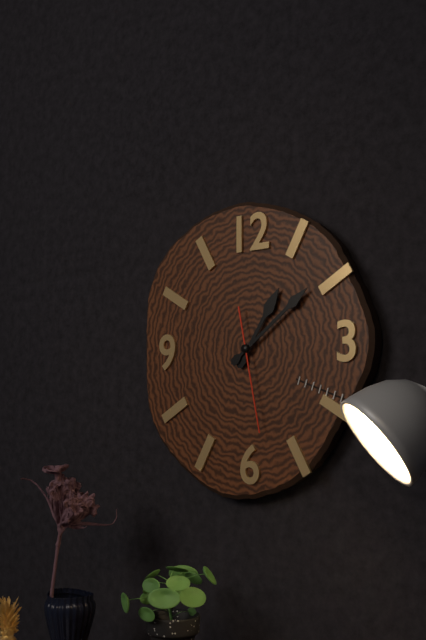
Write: h=1 m=9 s=28
